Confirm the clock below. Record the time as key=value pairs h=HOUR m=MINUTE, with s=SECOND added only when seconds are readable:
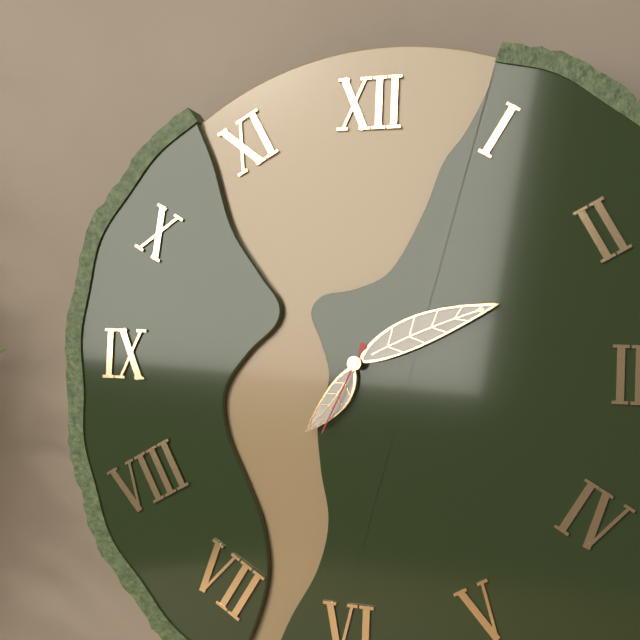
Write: h=7 m=11 s=34
